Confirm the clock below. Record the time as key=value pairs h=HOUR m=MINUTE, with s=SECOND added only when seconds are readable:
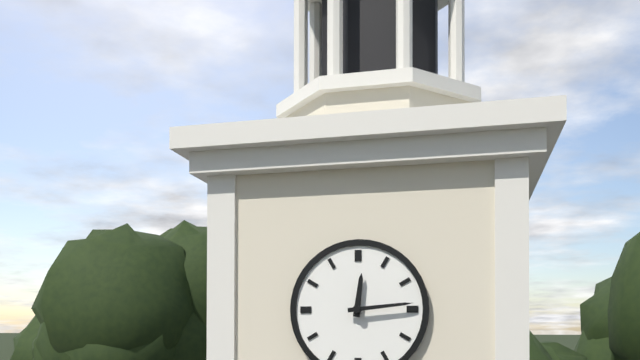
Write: h=12 m=14
